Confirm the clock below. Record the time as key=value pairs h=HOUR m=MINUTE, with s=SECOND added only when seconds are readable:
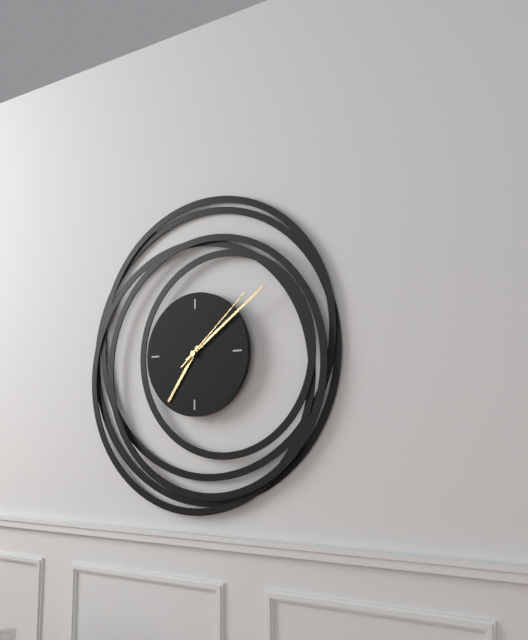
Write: h=7 m=9 s=8
